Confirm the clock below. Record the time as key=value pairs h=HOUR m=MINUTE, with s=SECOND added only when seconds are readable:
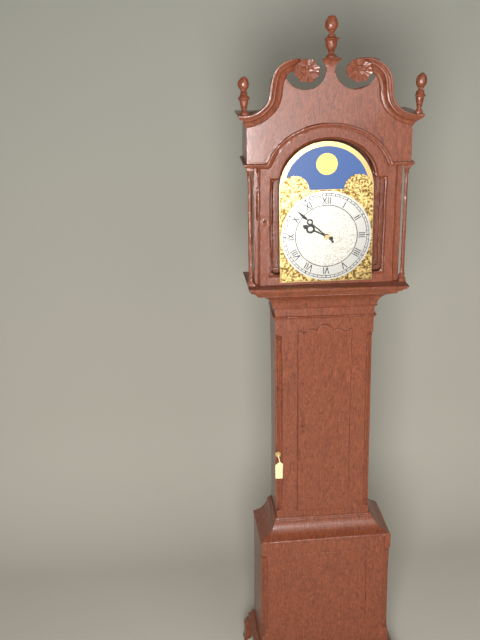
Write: h=9 m=52
